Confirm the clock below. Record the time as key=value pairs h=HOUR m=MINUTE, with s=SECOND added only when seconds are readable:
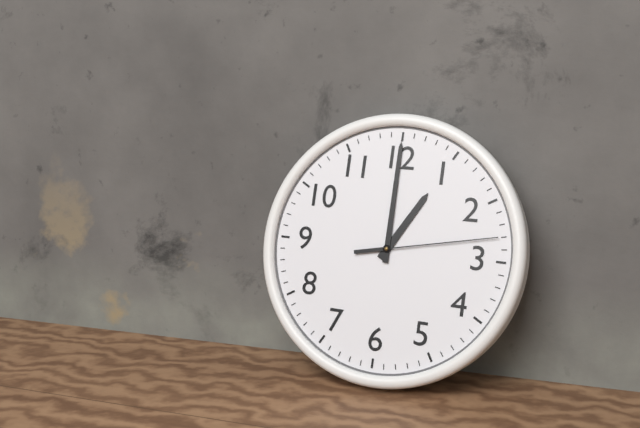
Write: h=1 m=0 s=13
